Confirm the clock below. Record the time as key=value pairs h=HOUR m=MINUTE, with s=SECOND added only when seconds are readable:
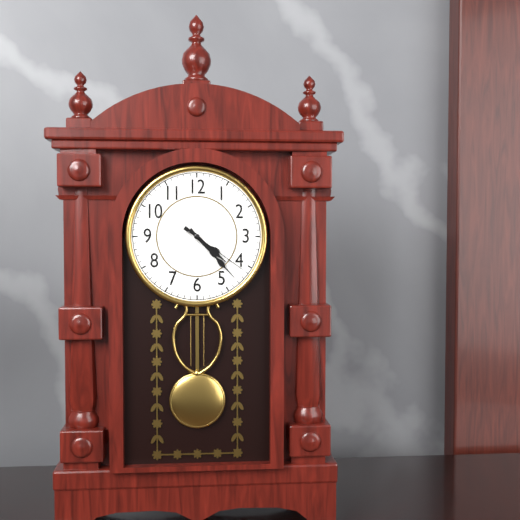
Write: h=4 m=23 s=21
